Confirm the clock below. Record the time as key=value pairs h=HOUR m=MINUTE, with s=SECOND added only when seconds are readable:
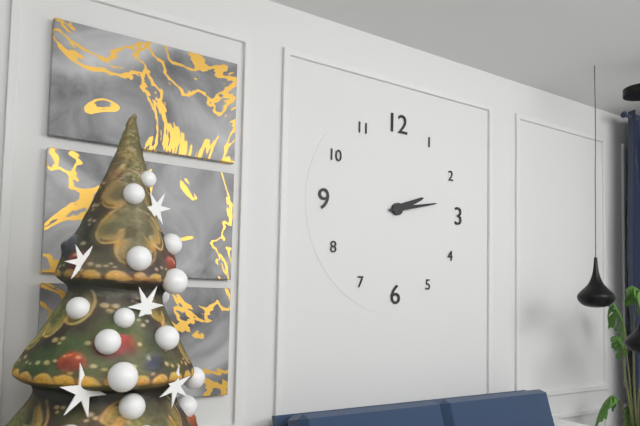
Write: h=2 m=13
